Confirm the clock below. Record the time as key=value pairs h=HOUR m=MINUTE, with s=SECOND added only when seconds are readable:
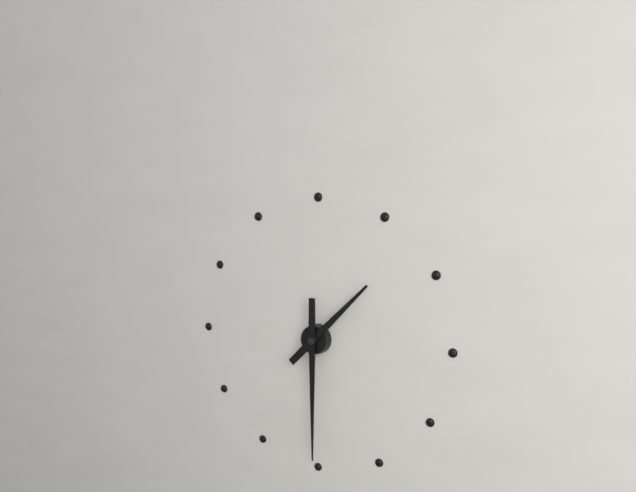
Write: h=1 m=30
